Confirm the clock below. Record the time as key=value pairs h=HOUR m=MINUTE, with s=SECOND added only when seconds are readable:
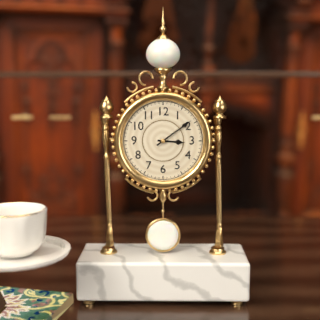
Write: h=3 m=9
